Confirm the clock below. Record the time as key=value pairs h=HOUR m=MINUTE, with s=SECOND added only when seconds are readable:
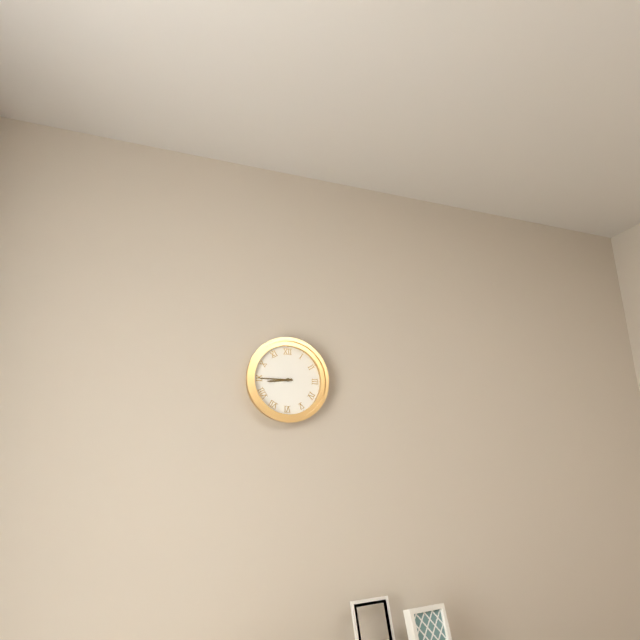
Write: h=8 m=45
